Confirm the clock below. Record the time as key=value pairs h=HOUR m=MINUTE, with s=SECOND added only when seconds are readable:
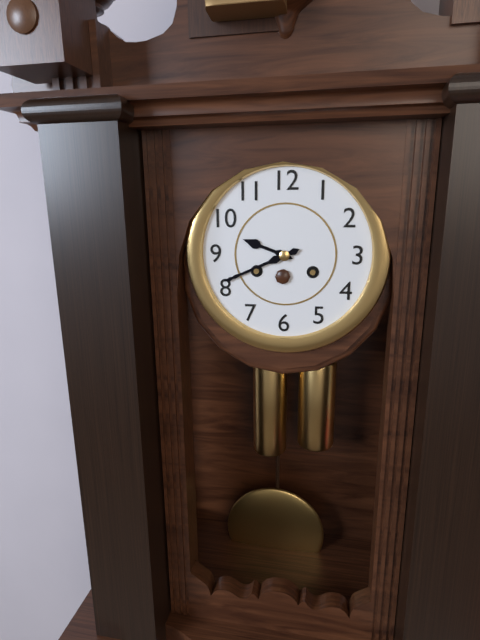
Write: h=9 m=41
